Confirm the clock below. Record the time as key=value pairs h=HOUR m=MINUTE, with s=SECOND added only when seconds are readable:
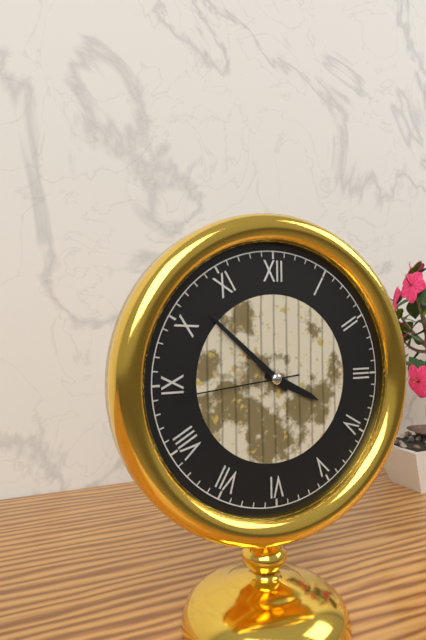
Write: h=3 m=52 s=44
